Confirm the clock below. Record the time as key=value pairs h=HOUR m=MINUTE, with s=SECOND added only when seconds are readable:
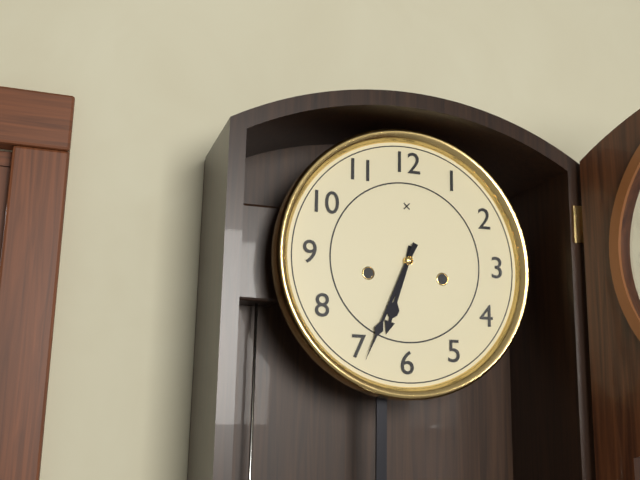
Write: h=6 m=34
